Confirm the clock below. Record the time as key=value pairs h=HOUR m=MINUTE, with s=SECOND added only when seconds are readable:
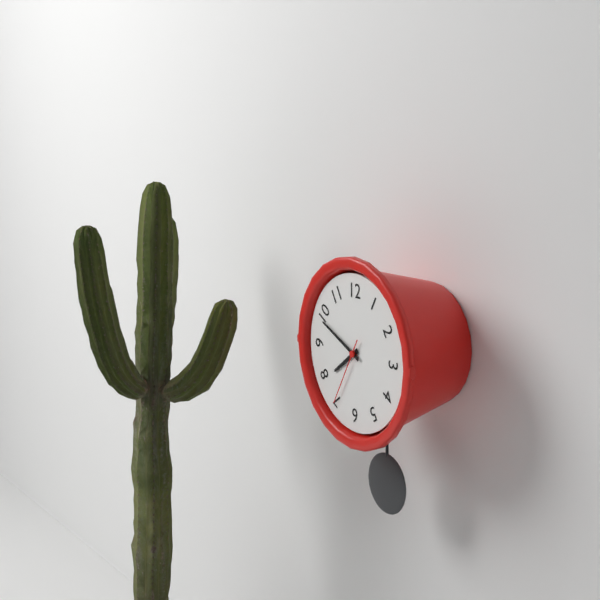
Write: h=7 m=49 s=35
